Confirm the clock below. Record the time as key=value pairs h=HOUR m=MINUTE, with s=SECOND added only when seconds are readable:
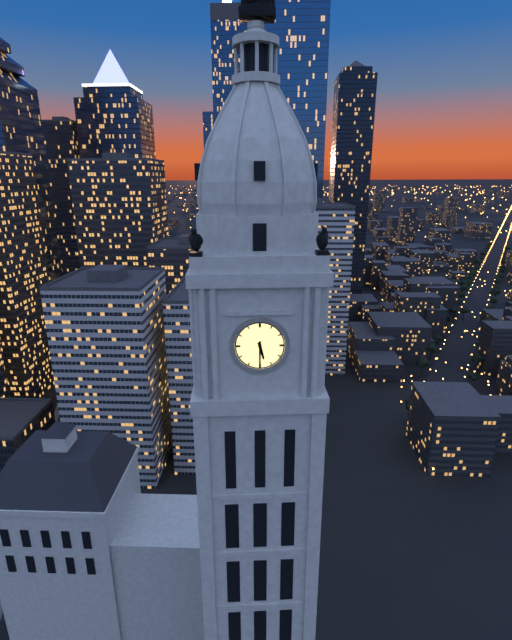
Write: h=5 m=30
